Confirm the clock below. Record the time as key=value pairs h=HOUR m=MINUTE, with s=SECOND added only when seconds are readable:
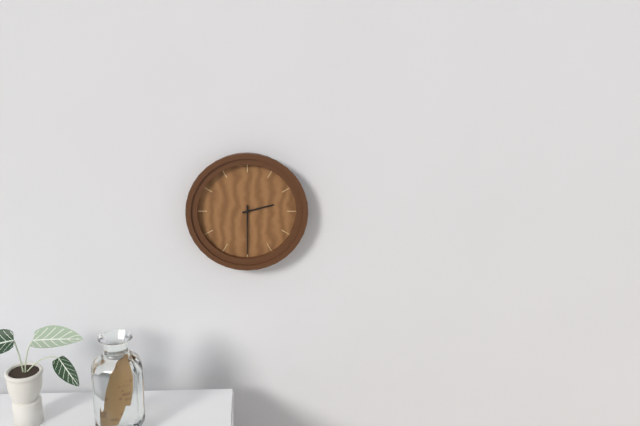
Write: h=2 m=30
